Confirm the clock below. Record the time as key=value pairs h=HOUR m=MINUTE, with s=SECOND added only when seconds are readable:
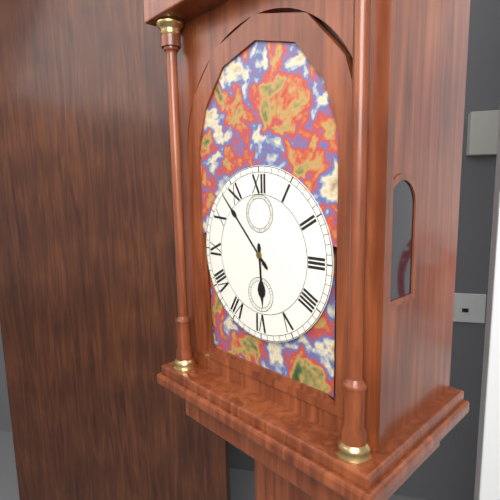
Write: h=5 m=53
